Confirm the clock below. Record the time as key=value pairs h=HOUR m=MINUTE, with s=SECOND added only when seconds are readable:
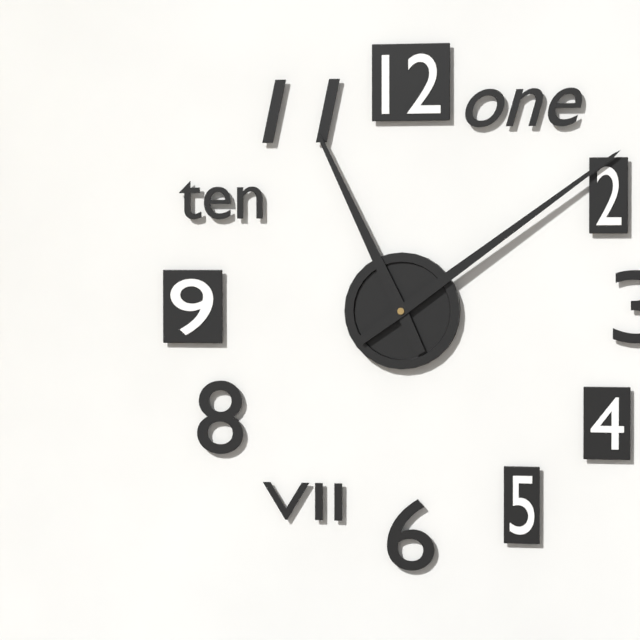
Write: h=11 m=9
